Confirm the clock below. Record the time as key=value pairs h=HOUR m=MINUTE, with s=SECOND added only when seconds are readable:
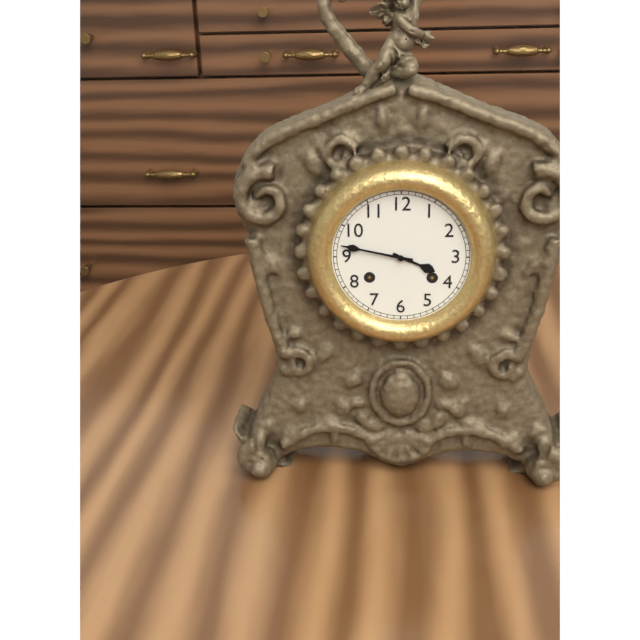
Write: h=3 m=47
